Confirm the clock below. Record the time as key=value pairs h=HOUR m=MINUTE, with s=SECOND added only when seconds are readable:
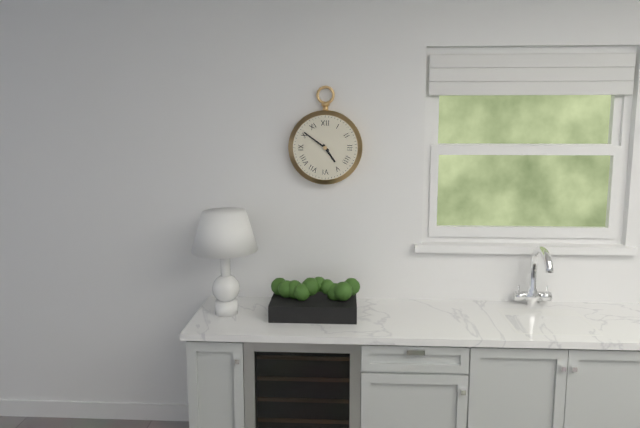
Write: h=4 m=51
